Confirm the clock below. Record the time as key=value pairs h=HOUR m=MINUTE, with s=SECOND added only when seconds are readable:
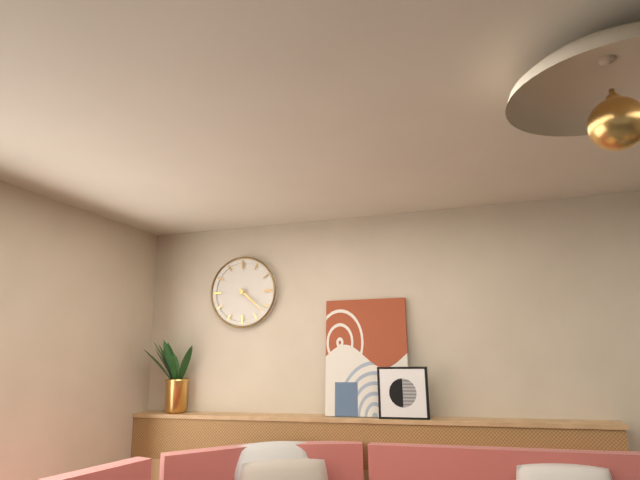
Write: h=4 m=22
